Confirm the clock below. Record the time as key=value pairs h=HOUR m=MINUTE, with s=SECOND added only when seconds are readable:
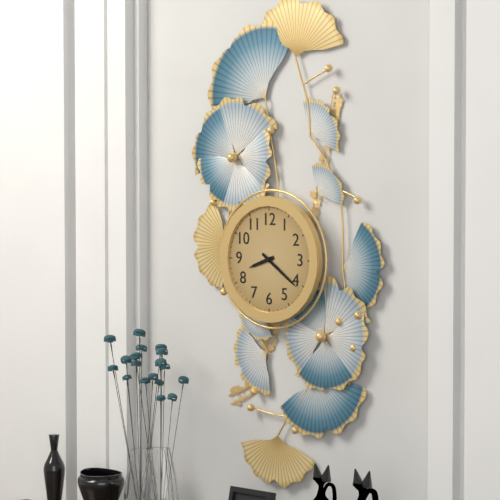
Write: h=8 m=21
